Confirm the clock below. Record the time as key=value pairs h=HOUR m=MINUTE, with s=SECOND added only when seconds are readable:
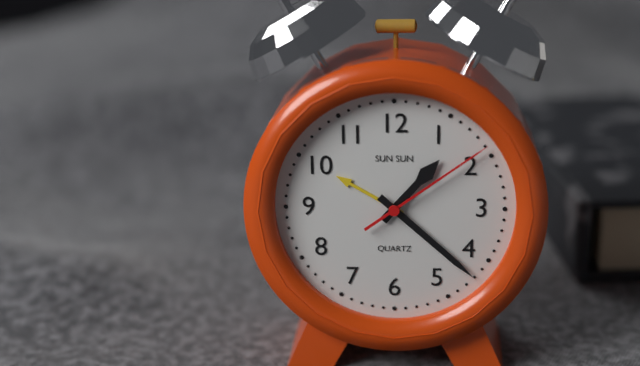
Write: h=1 m=22 s=9
